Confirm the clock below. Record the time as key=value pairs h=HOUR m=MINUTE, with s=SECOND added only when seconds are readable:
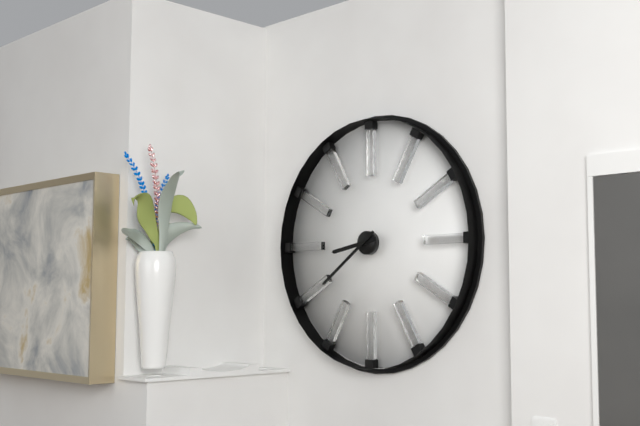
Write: h=8 m=39
